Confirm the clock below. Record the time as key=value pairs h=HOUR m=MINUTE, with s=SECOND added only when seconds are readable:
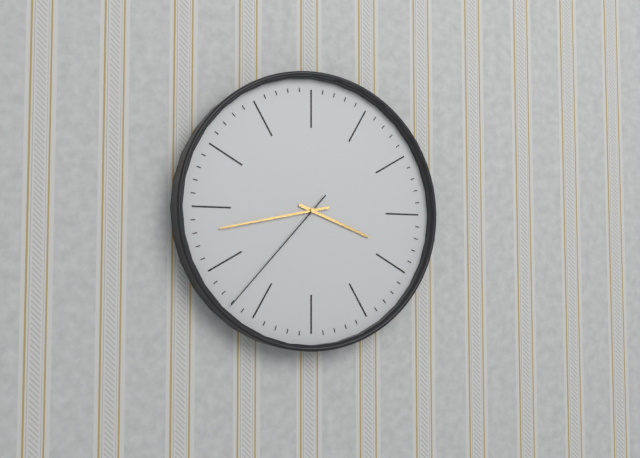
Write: h=3 m=43 s=37
